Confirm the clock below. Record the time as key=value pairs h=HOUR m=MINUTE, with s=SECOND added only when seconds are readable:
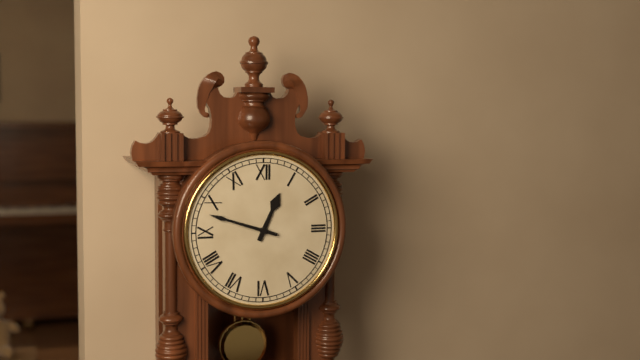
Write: h=12 m=48
